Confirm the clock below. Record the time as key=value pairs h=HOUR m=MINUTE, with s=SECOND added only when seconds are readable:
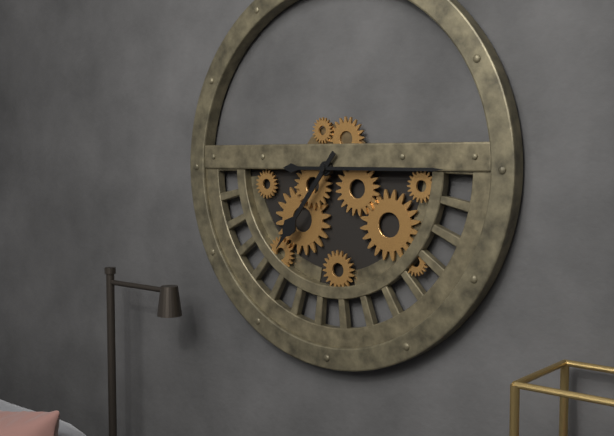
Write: h=7 m=15
